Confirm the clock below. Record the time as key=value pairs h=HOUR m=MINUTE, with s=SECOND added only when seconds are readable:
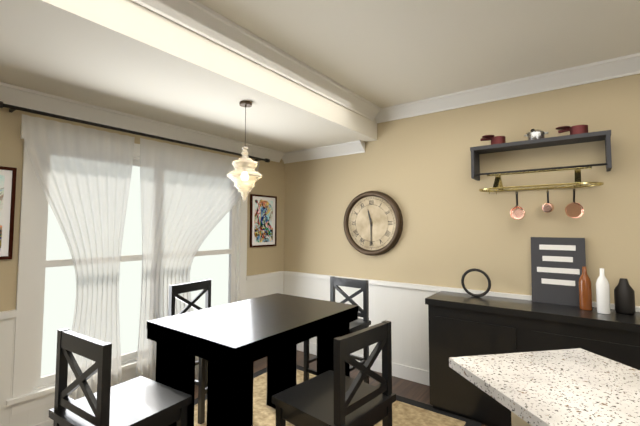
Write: h=11 m=30
